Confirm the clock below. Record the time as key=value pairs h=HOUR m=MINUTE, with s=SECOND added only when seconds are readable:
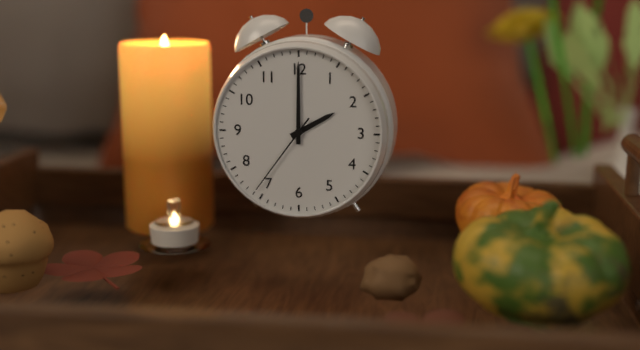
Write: h=2 m=0 s=36
